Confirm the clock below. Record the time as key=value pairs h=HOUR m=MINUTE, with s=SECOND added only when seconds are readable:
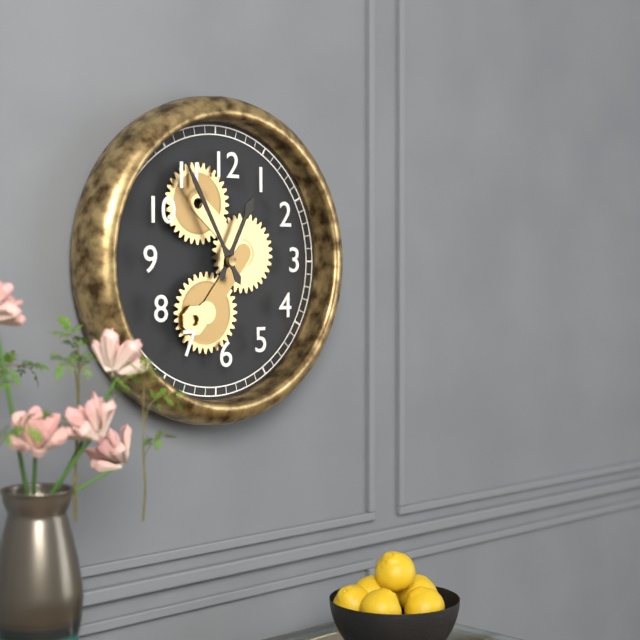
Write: h=12 m=55
